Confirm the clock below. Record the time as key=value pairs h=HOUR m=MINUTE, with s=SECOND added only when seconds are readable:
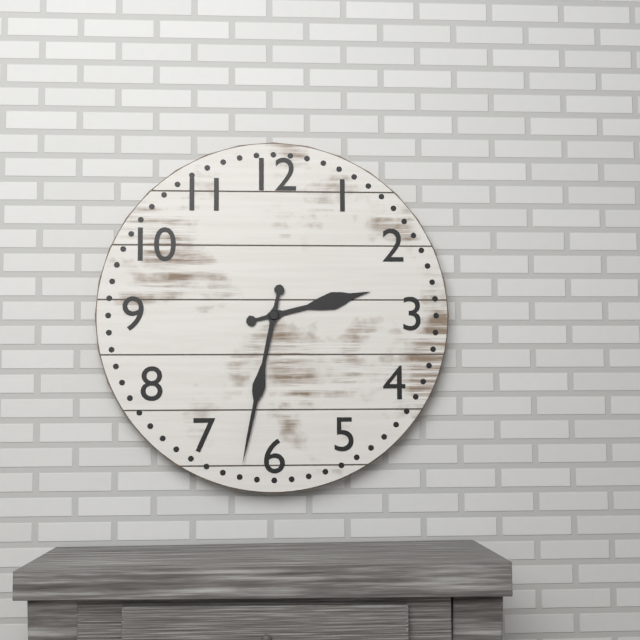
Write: h=2 m=32
